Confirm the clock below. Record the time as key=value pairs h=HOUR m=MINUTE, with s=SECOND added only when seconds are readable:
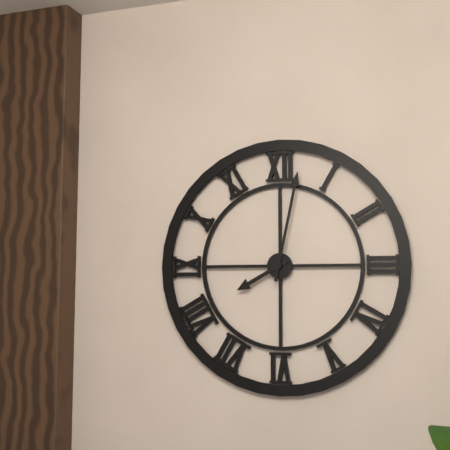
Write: h=8 m=2
